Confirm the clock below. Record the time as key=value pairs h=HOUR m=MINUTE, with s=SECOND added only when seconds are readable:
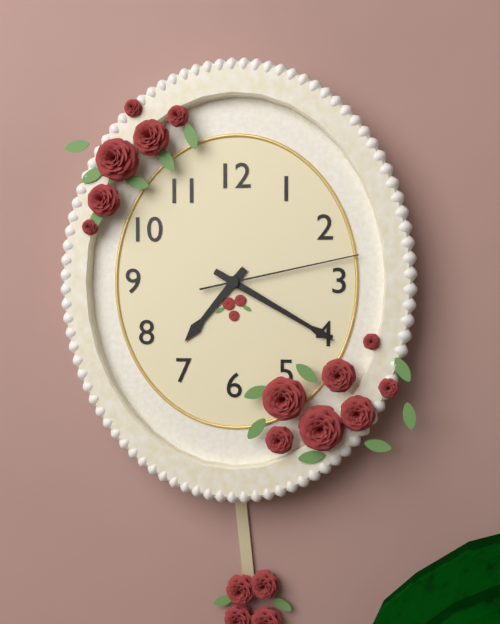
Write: h=7 m=20 s=13
